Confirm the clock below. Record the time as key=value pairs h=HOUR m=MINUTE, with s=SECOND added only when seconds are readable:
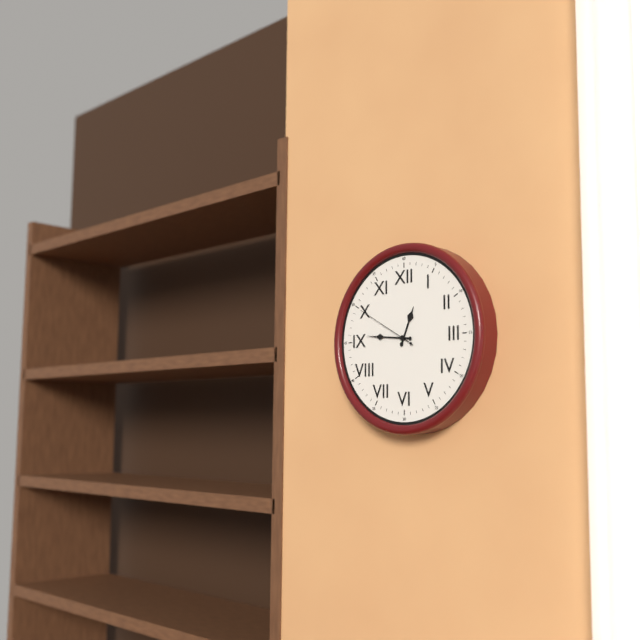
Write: h=12 m=46 s=50
